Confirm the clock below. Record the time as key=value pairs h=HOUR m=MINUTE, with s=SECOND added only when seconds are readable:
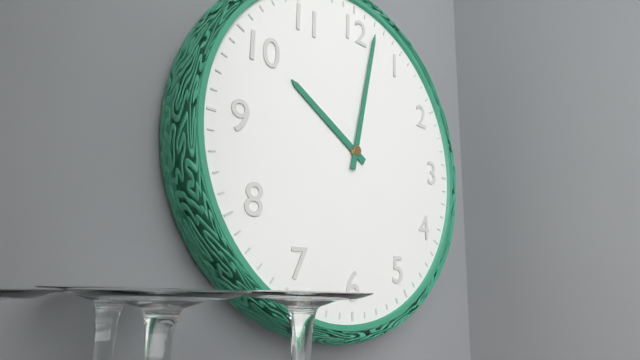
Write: h=10 m=2
